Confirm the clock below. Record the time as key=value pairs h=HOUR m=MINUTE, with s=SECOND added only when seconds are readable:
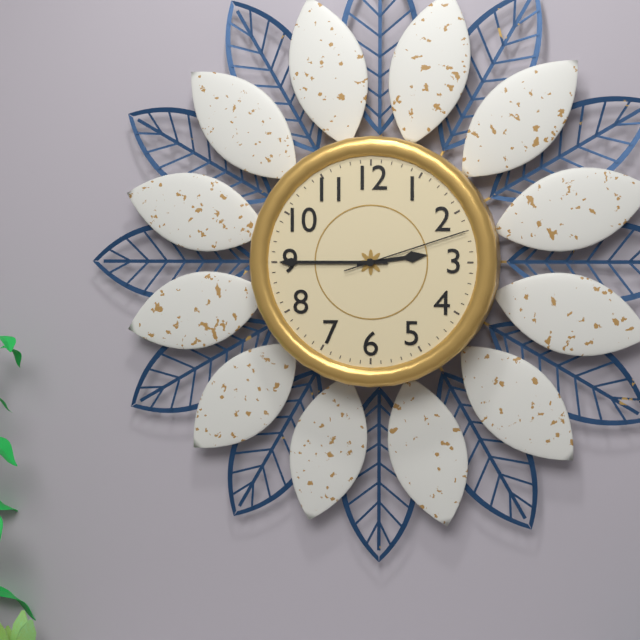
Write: h=2 m=45 s=12
